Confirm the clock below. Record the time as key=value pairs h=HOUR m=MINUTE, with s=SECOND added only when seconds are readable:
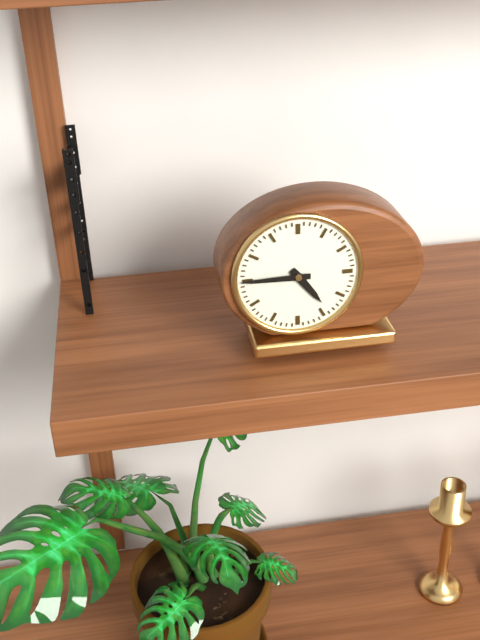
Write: h=4 m=45
